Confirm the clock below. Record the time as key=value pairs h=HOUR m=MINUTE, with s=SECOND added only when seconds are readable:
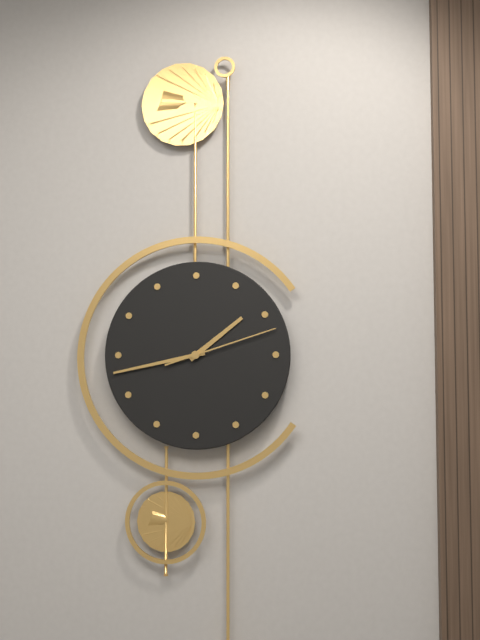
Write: h=1 m=43 s=12
